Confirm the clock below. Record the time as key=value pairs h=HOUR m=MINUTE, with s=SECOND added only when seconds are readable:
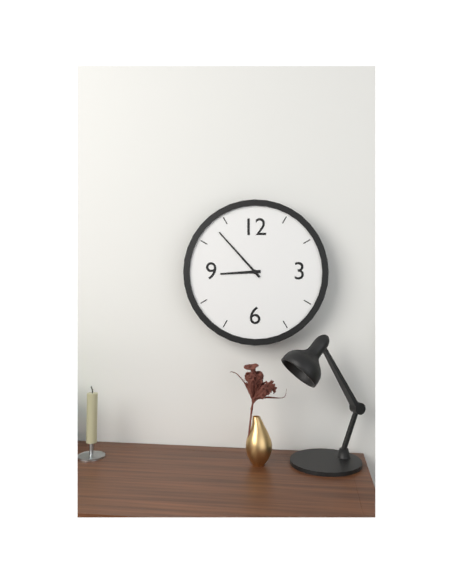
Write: h=8 m=53
